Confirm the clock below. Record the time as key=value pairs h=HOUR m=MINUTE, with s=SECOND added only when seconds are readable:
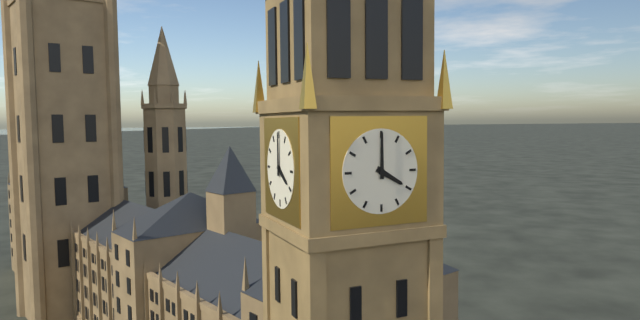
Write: h=4 m=0
